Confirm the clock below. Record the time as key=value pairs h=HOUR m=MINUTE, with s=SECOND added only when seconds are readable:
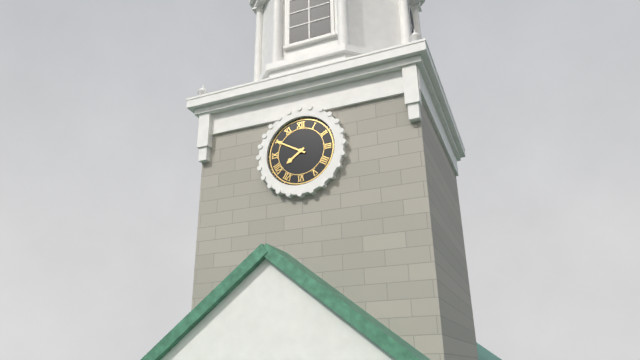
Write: h=7 m=50
